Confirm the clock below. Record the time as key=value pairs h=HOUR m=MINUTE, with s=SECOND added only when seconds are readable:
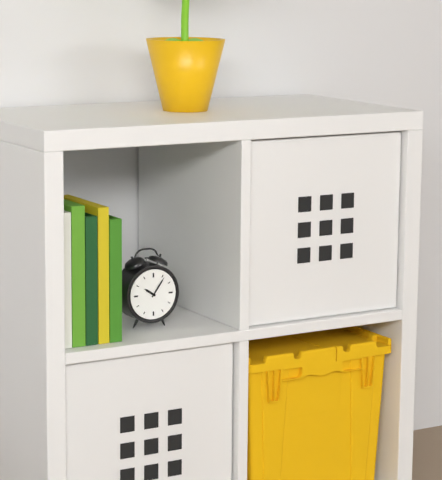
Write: h=10 m=6
